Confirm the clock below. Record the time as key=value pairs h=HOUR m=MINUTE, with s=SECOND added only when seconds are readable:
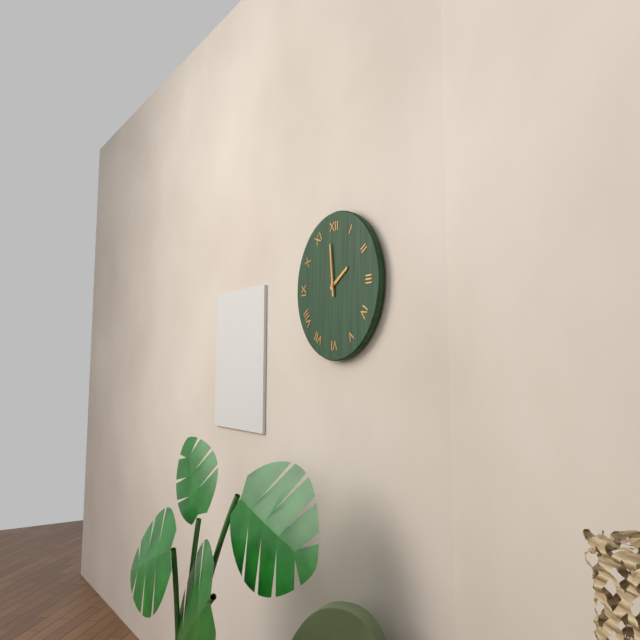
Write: h=1 m=59
